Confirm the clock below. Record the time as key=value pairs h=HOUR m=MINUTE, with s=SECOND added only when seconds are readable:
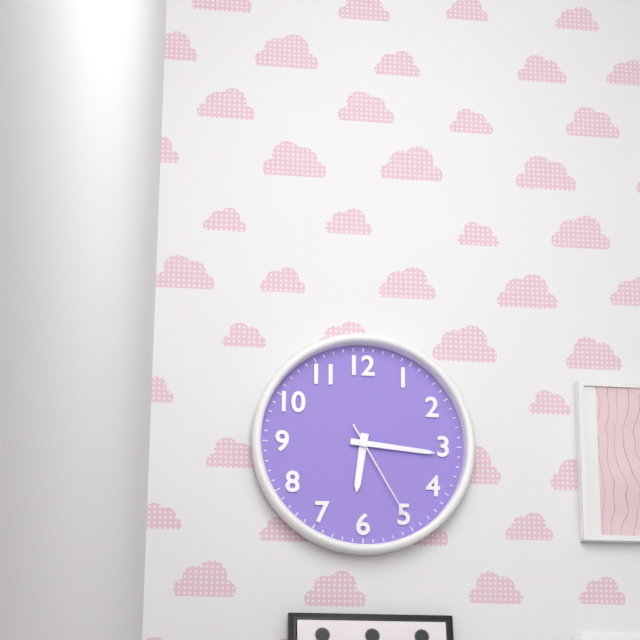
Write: h=6 m=16 s=25
